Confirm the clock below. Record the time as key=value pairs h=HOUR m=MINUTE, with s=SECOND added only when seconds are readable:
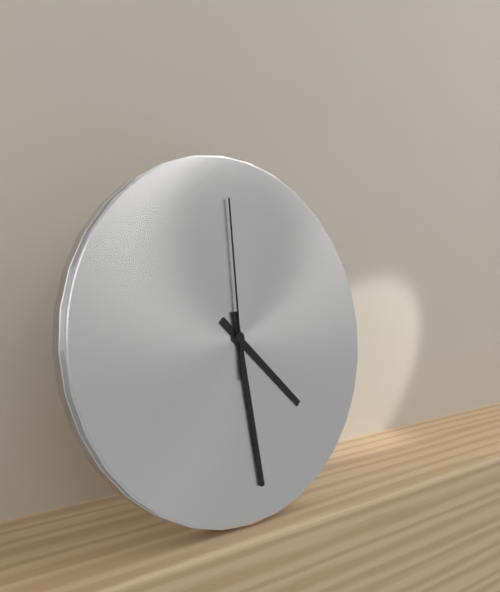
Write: h=4 m=29 s=0
